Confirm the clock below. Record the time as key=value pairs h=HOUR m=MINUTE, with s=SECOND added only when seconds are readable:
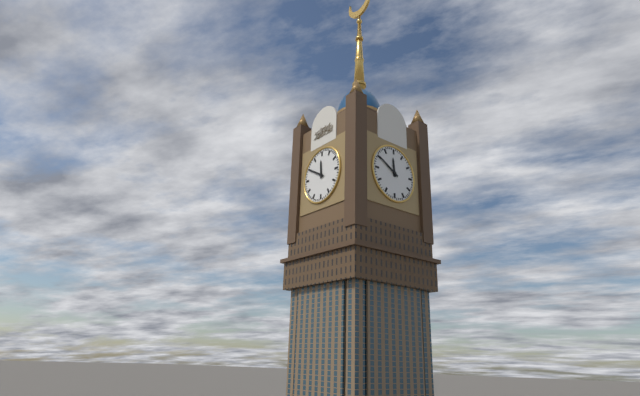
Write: h=11 m=50
